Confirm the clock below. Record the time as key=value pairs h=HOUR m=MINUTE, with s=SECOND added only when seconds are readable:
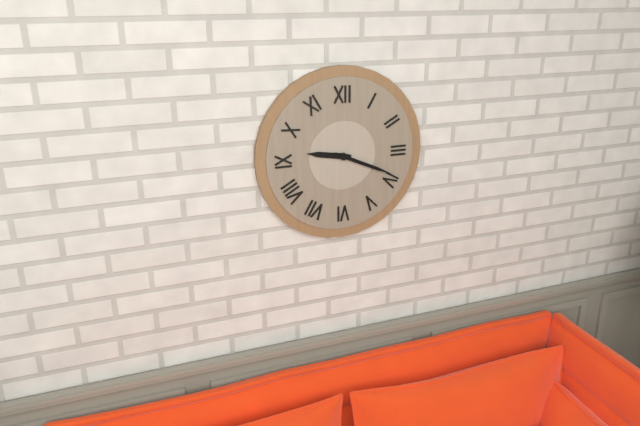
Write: h=9 m=19
